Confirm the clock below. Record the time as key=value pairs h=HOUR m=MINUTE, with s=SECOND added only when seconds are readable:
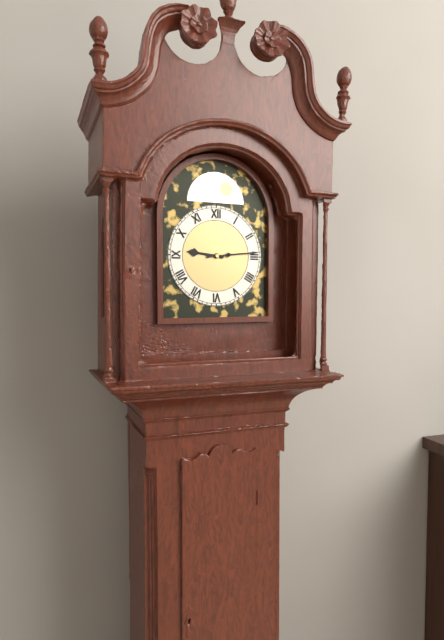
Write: h=9 m=14
